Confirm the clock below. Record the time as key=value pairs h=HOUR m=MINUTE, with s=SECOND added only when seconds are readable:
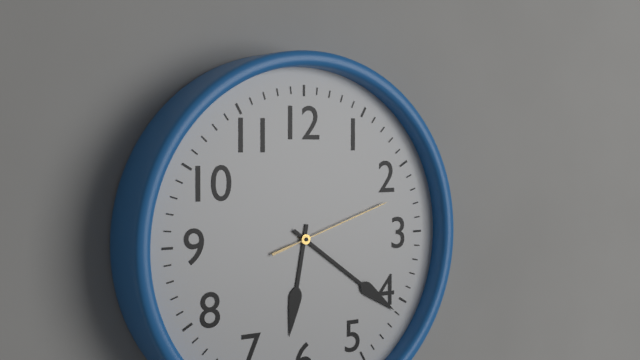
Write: h=6 m=21 s=12
